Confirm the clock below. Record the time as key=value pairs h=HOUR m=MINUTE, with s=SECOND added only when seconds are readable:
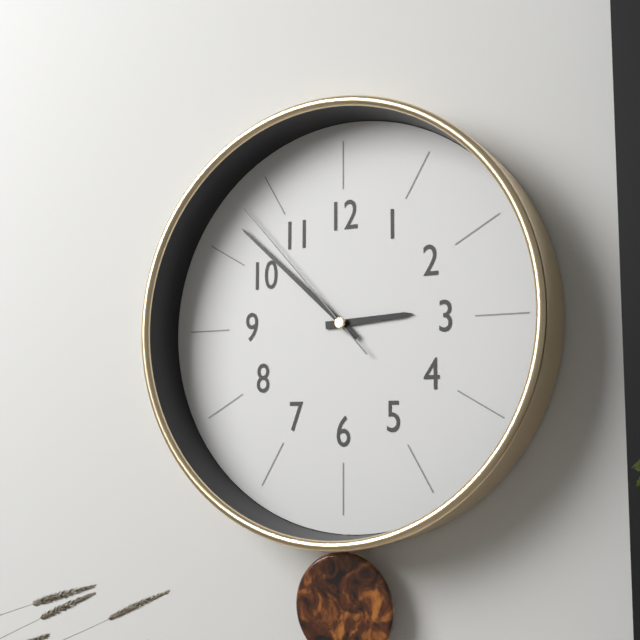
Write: h=2 m=52 s=53
